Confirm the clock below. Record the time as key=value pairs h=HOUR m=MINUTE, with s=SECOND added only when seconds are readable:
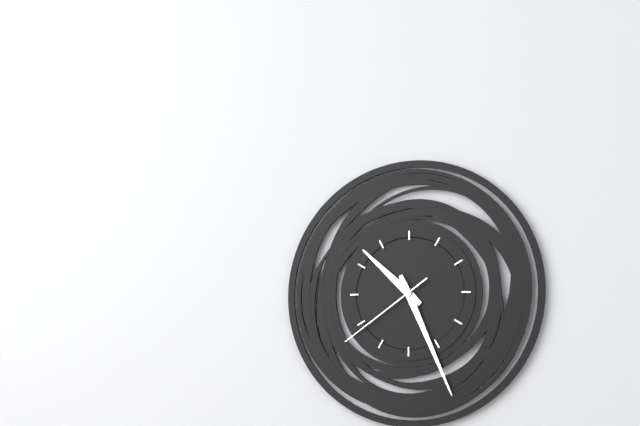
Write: h=10 m=26 s=39
